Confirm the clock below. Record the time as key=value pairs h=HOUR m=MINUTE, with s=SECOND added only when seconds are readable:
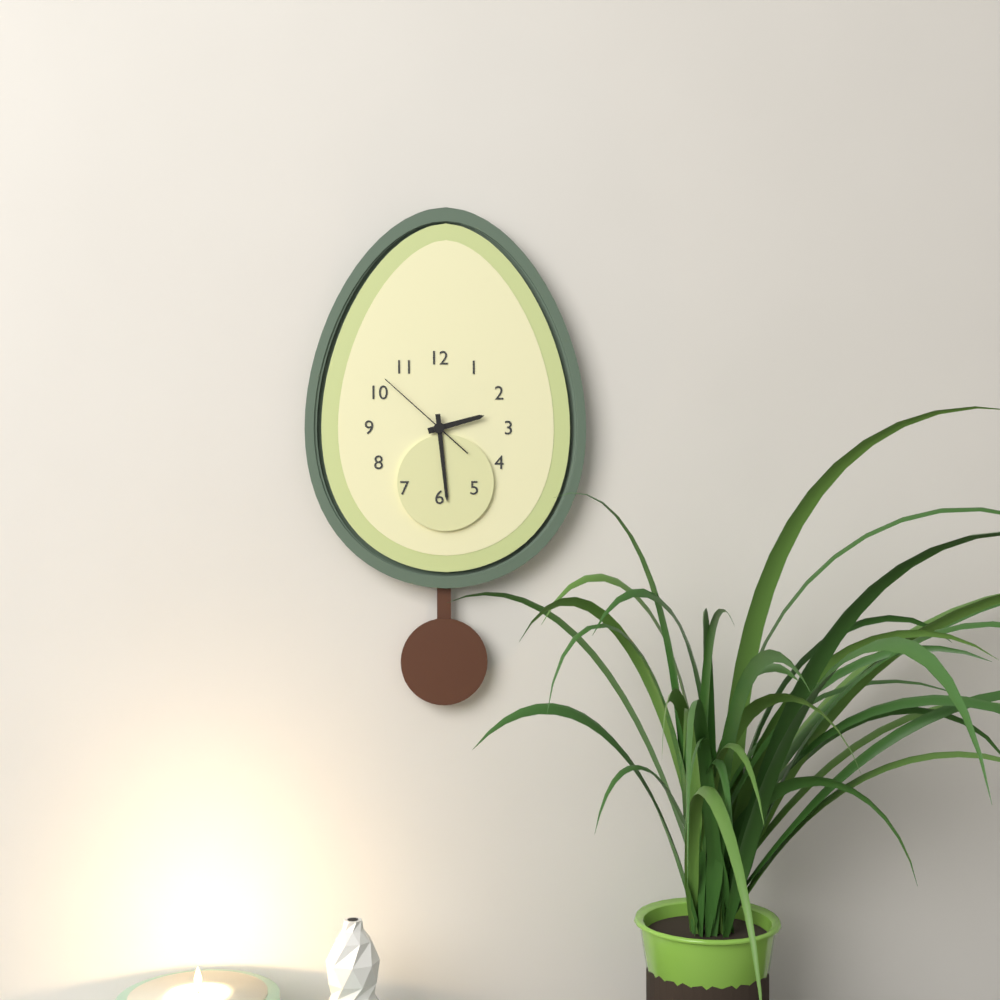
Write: h=2 m=29 s=52
